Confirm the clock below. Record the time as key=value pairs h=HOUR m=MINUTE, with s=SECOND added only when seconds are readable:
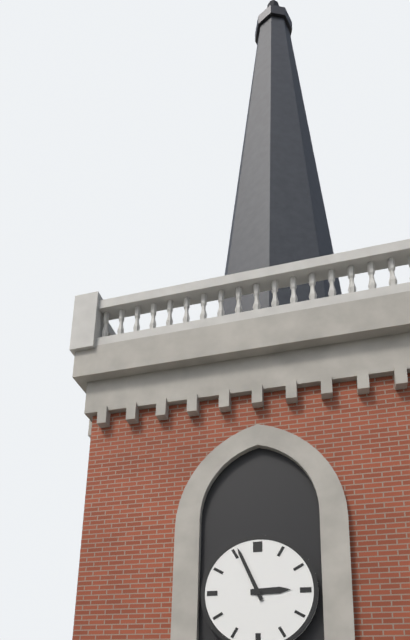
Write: h=2 m=56
